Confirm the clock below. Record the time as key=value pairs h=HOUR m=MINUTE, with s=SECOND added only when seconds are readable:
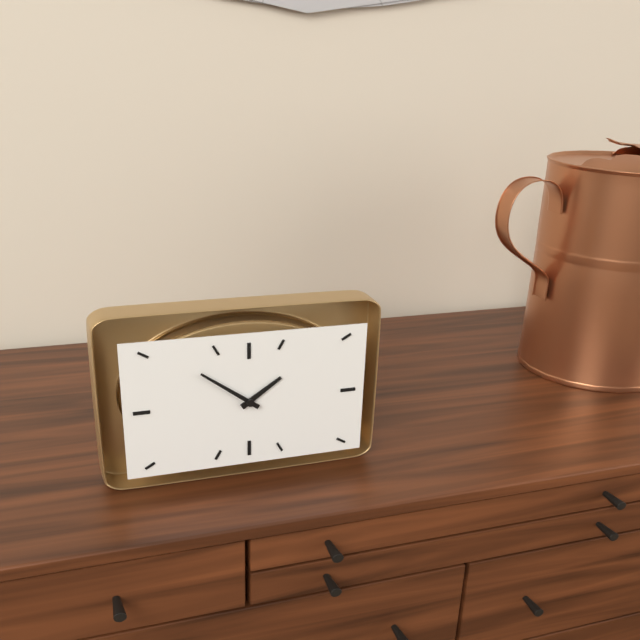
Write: h=1 m=51
